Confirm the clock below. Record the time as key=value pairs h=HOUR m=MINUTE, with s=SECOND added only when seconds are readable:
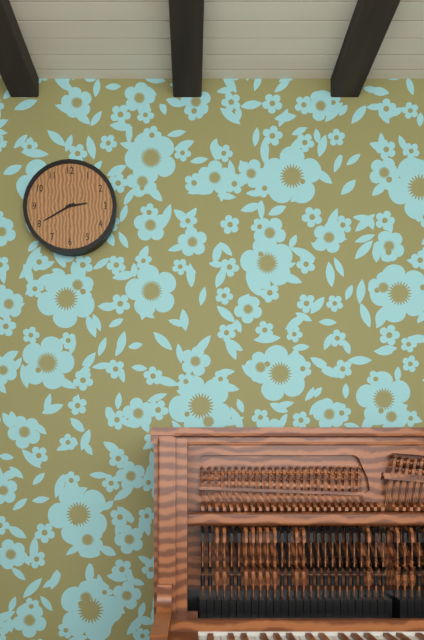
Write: h=2 m=40
